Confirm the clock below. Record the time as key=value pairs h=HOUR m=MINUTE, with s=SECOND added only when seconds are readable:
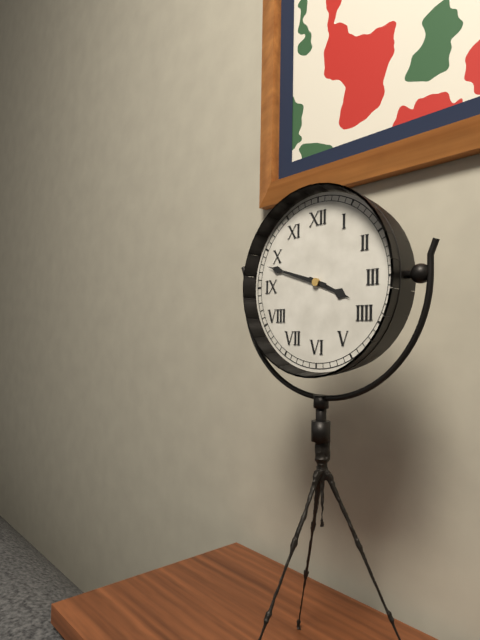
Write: h=3 m=48
